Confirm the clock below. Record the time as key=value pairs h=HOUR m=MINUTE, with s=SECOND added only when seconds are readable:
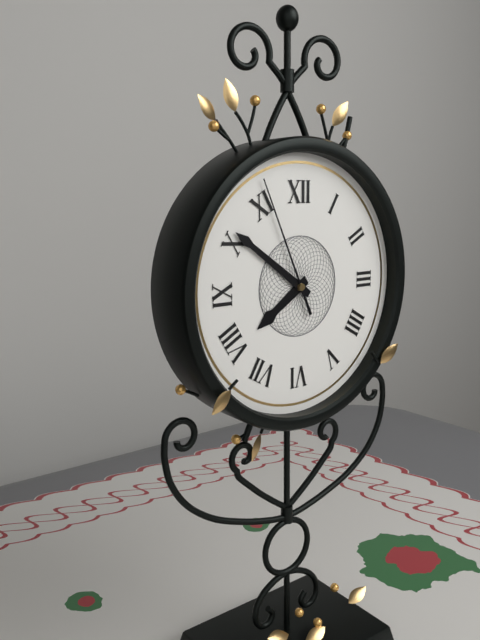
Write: h=7 m=51 s=56
